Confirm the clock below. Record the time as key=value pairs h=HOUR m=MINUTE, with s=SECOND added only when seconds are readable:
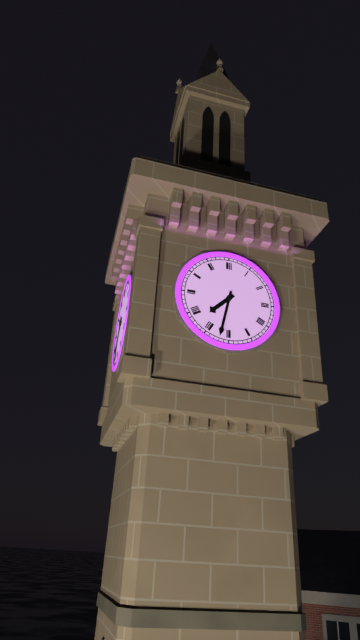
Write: h=7 m=32
